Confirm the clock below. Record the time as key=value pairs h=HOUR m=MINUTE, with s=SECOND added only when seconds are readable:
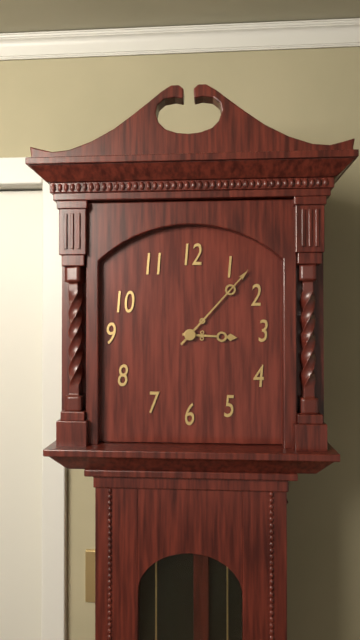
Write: h=3 m=7
